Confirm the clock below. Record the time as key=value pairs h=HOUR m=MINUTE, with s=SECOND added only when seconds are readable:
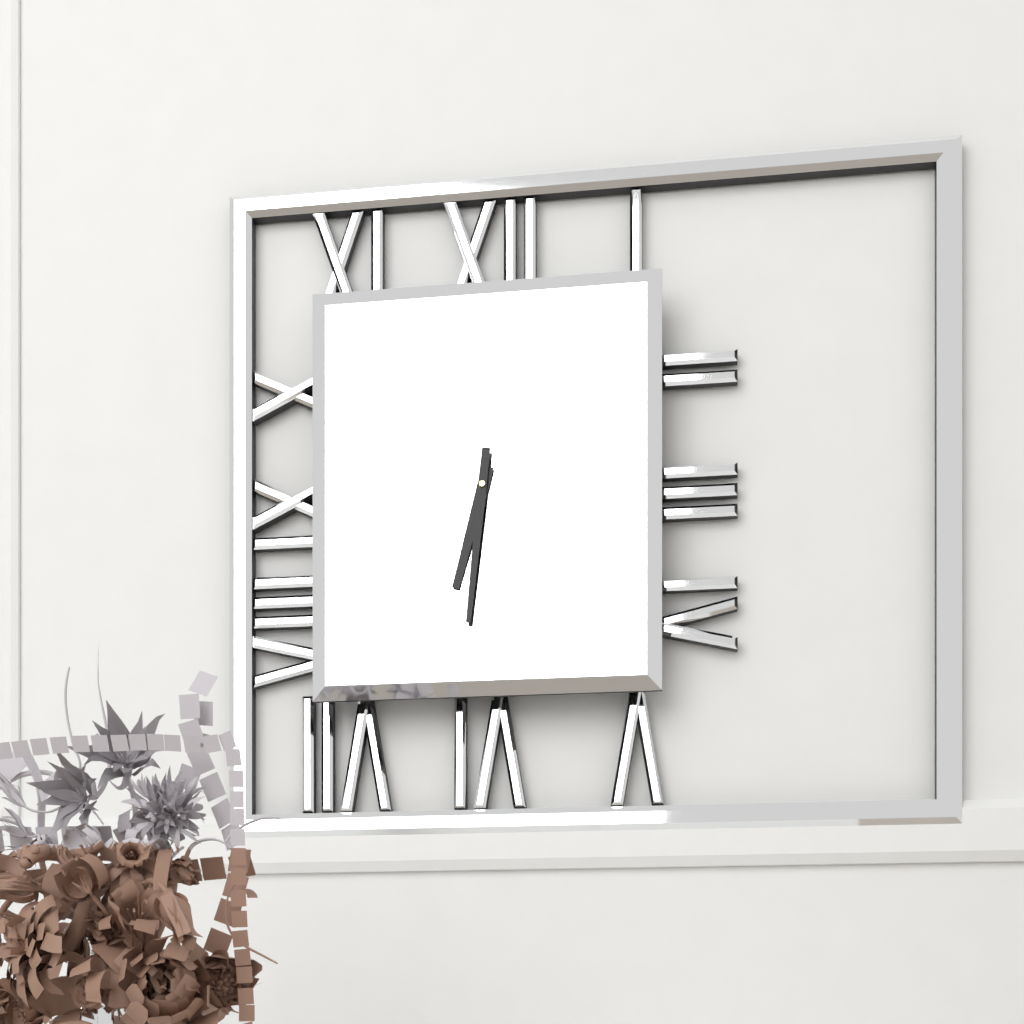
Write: h=6 m=31
